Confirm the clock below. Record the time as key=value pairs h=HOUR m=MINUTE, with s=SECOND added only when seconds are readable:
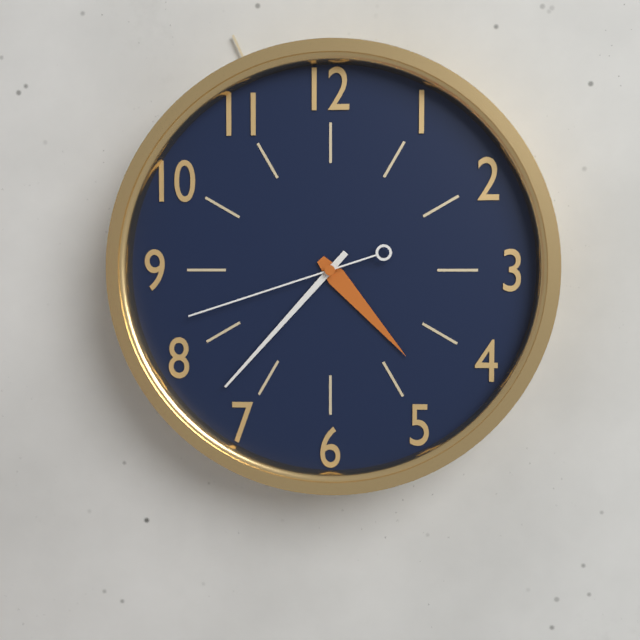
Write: h=4 m=37 s=42
